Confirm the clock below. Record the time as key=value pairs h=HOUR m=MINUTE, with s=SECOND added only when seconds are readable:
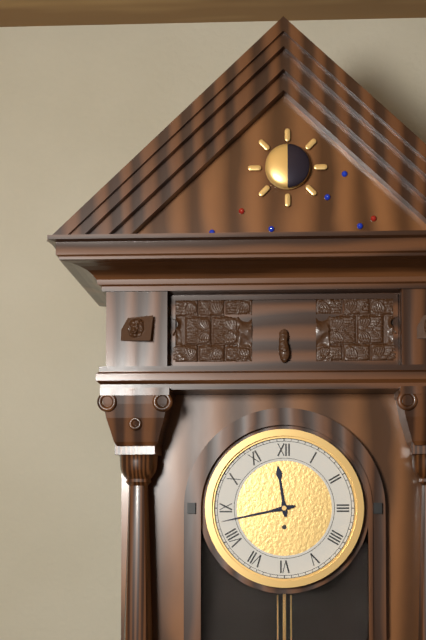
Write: h=11 m=43
